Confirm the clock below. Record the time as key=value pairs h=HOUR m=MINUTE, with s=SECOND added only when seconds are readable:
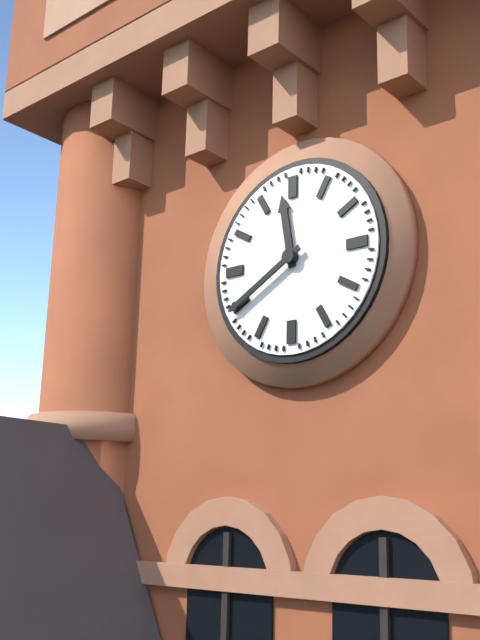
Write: h=11 m=40
